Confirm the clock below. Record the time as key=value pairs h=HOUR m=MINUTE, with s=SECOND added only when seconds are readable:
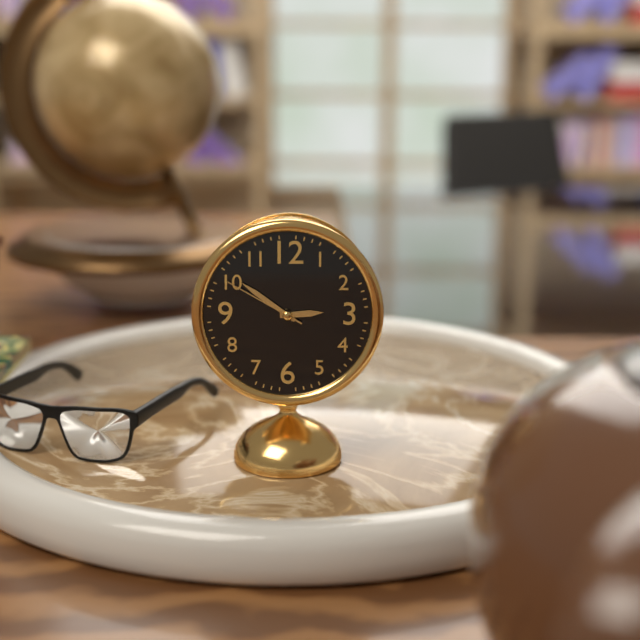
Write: h=2 m=51 s=50
